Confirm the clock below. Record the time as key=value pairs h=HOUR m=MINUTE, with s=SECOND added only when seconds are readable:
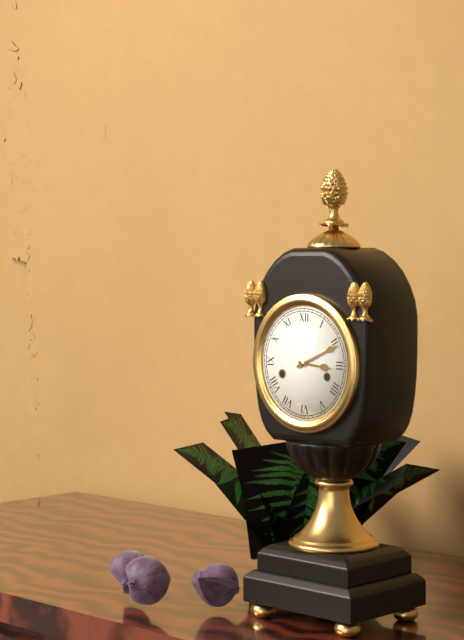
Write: h=3 m=11
